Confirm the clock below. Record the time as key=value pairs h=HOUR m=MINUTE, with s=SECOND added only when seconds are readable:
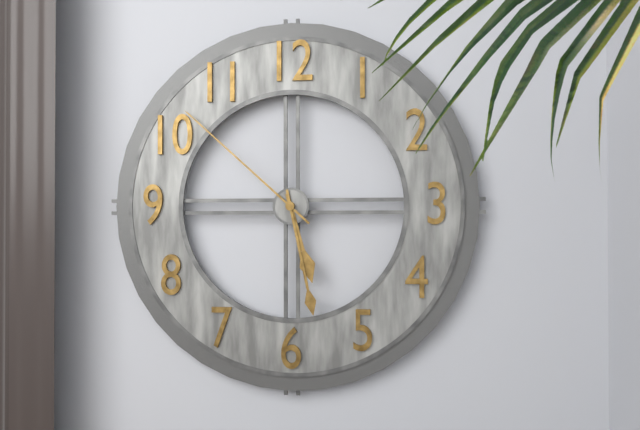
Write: h=5 m=28 s=52
